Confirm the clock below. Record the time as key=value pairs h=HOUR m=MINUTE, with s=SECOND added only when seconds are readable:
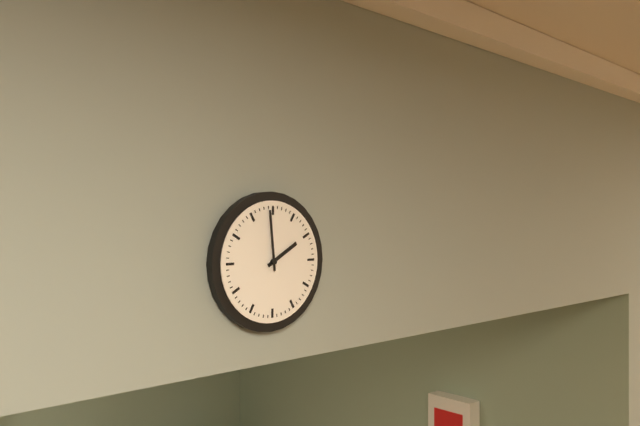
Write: h=1 m=59
